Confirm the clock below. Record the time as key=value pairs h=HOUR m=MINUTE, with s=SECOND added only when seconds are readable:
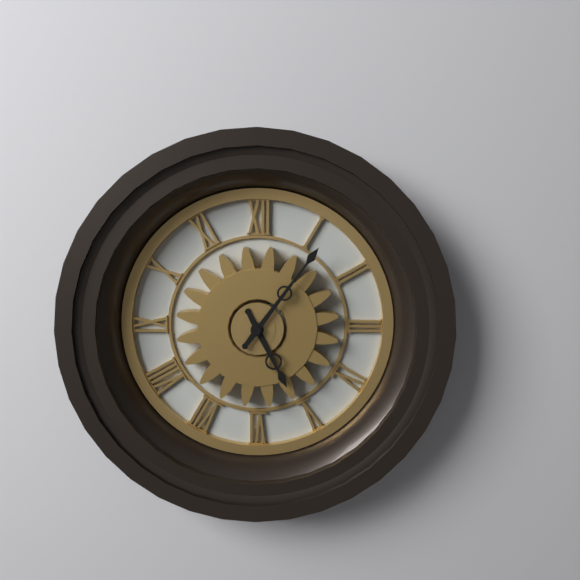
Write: h=5 m=6
